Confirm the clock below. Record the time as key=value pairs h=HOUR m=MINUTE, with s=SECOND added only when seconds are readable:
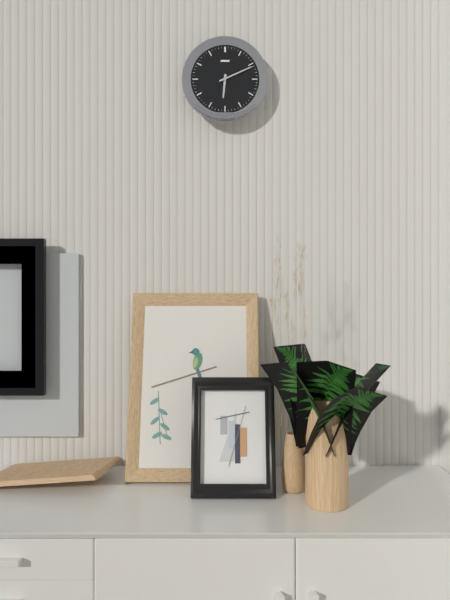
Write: h=6 m=11
